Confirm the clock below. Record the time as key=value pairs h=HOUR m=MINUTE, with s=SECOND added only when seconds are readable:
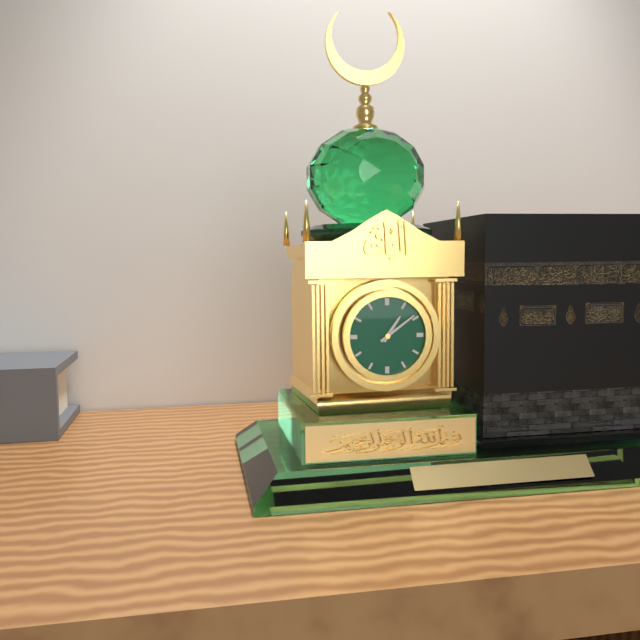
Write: h=1 m=9
